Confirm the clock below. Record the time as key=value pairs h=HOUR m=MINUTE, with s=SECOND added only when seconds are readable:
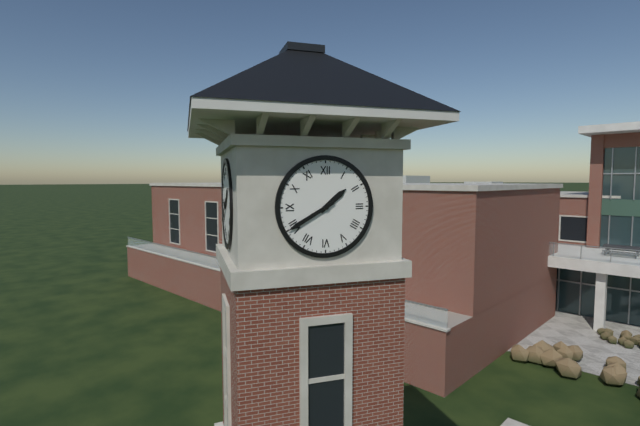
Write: h=1 m=40
